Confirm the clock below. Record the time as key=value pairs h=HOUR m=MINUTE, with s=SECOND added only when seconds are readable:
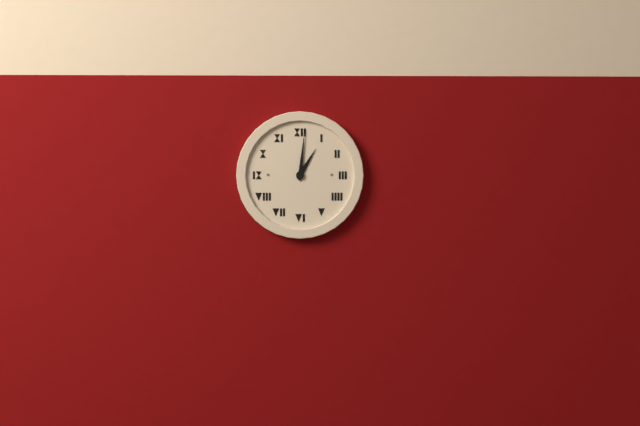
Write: h=1 m=1
